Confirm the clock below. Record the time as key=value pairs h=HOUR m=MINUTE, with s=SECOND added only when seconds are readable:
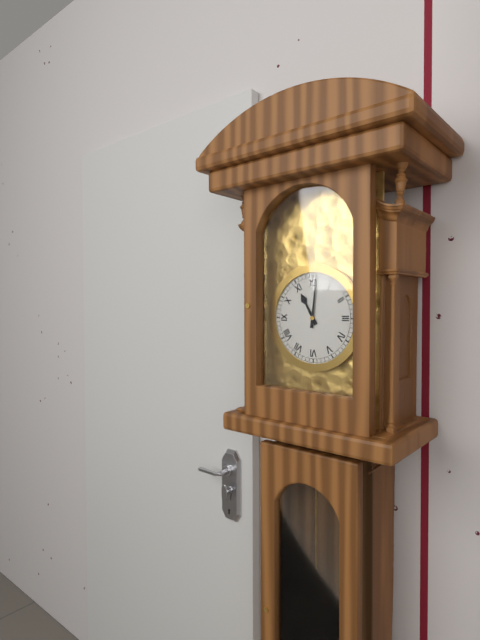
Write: h=11 m=1
